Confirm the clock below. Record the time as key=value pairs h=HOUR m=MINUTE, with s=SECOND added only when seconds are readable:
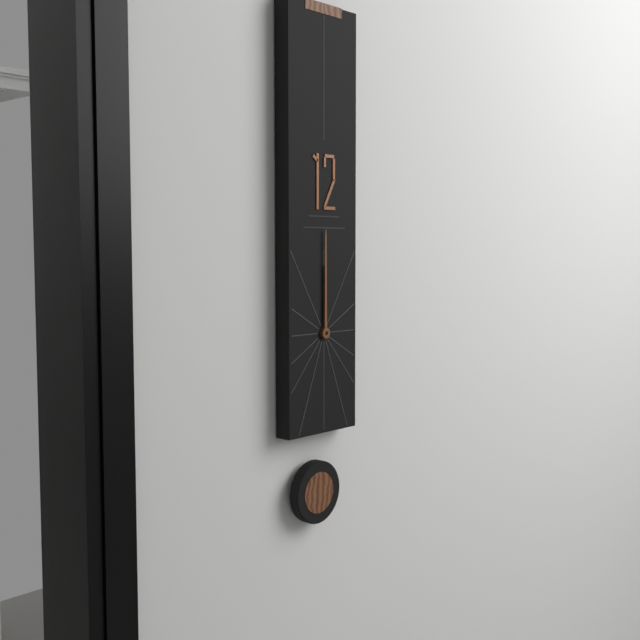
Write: h=12 m=0
